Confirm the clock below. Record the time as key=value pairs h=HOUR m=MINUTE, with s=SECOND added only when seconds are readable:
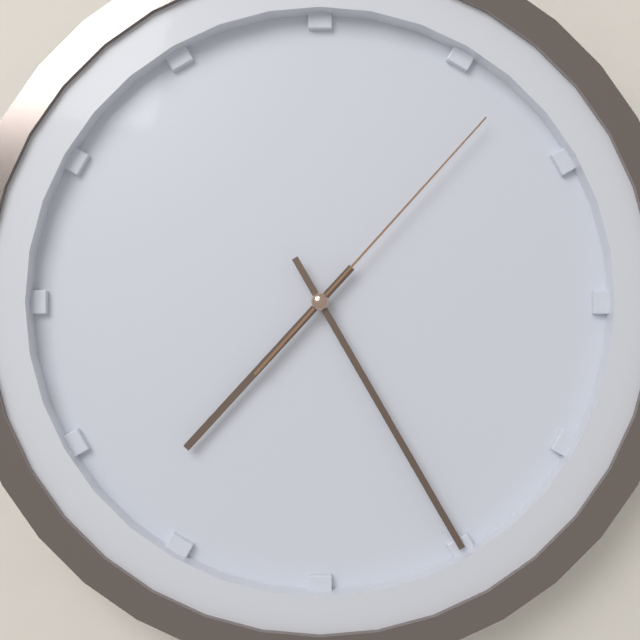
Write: h=7 m=25 s=7
